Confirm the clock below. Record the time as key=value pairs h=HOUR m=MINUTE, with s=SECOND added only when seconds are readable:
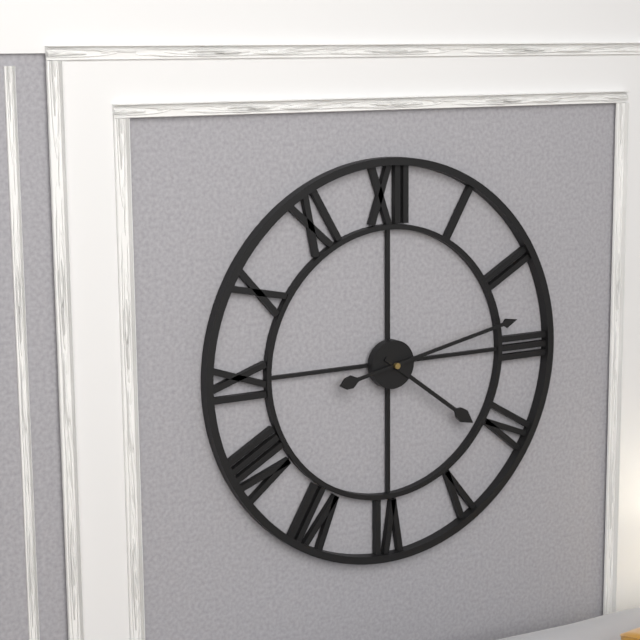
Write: h=4 m=13
